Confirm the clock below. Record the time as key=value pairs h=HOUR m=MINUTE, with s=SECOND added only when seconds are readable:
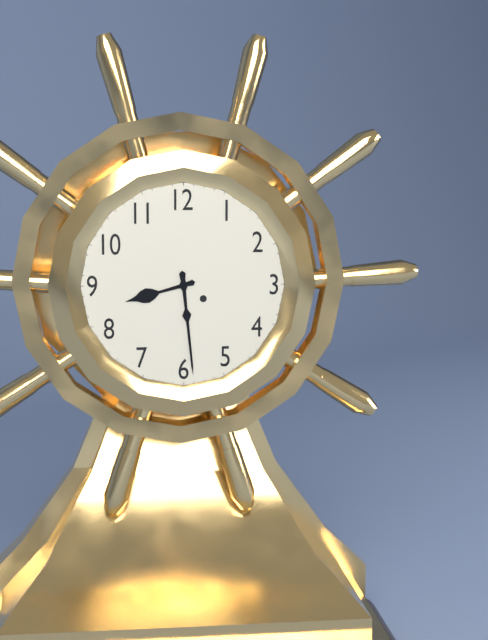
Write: h=8 m=29
